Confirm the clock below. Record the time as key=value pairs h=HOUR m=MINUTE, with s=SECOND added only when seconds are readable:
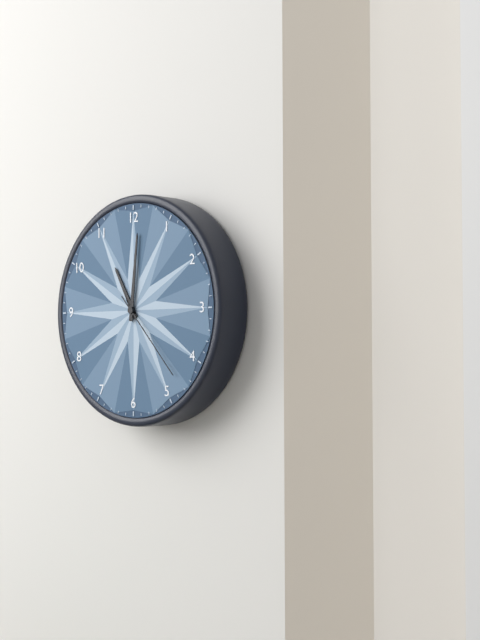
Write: h=11 m=1 s=23
